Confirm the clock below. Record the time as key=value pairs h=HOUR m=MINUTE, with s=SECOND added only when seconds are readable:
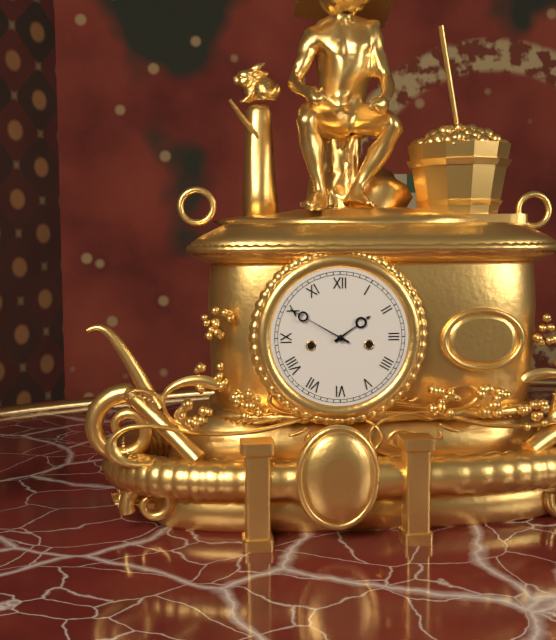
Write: h=1 m=50
